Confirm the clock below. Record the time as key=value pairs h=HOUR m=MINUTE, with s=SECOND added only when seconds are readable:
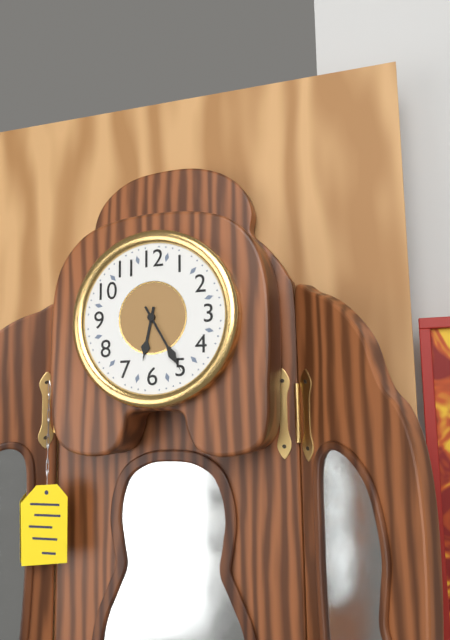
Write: h=6 m=25
